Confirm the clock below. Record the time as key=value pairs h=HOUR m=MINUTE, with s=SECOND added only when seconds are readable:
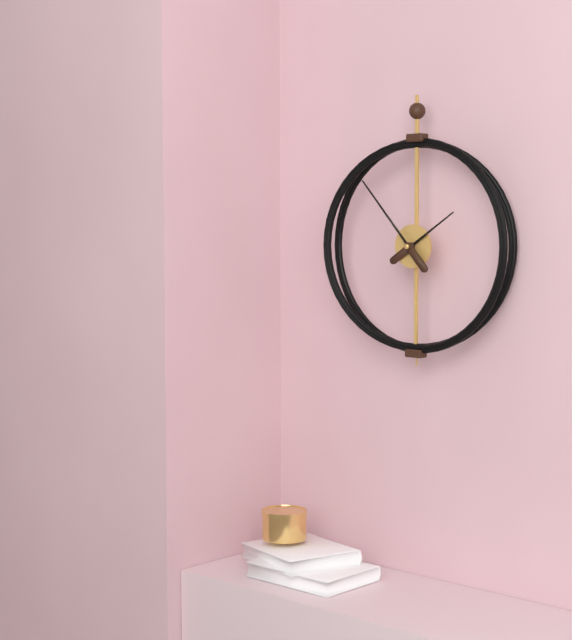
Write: h=1 m=53
